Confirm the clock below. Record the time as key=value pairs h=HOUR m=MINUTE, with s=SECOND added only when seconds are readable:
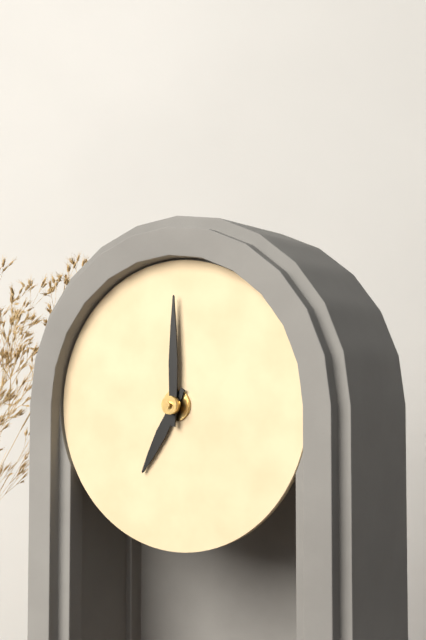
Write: h=7 m=0
